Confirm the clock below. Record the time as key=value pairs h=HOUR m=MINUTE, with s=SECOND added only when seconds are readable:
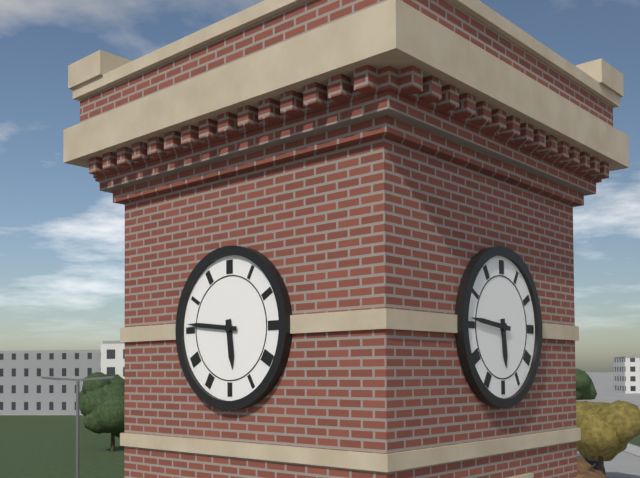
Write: h=5 m=46
